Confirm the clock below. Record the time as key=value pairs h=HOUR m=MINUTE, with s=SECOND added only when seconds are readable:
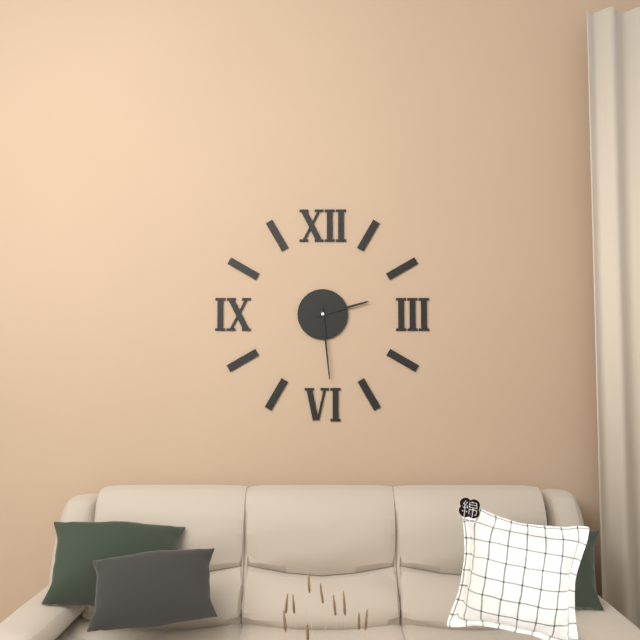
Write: h=2 m=29
